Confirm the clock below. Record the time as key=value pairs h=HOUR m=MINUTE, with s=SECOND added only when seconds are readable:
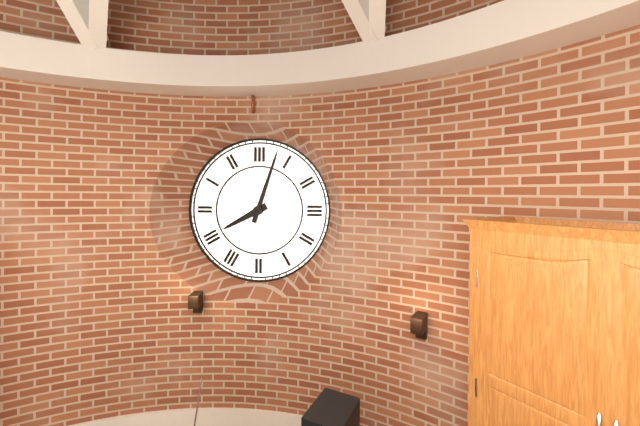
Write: h=8 m=3
